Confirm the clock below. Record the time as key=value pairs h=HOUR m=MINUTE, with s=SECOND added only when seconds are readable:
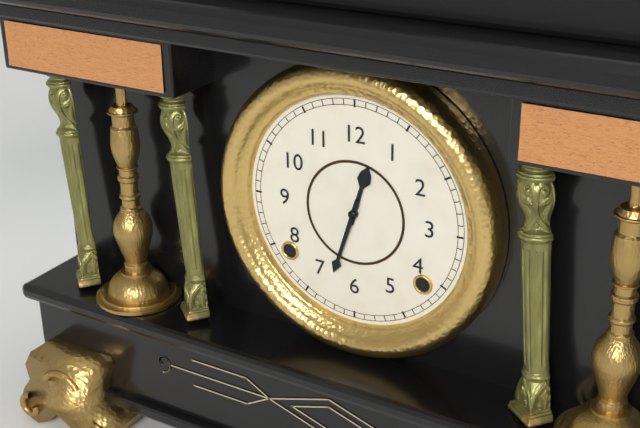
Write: h=12 m=33
